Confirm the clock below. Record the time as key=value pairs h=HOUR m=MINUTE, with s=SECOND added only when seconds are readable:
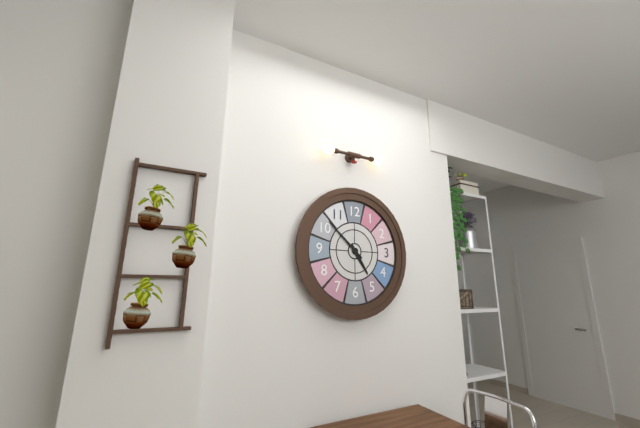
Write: h=4 m=52
